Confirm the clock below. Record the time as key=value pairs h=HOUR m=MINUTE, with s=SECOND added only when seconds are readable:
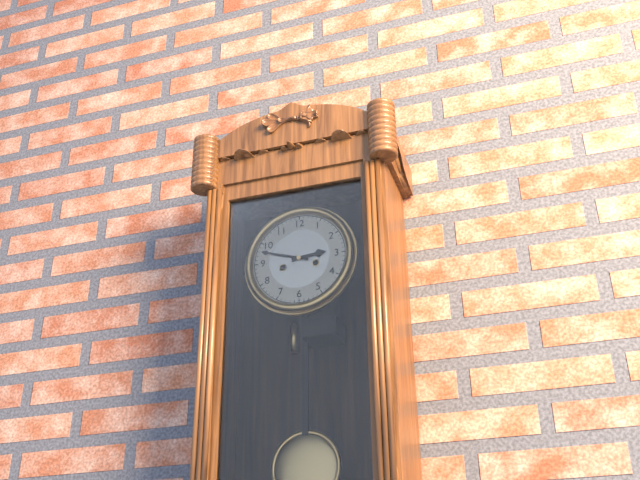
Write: h=2 m=48
